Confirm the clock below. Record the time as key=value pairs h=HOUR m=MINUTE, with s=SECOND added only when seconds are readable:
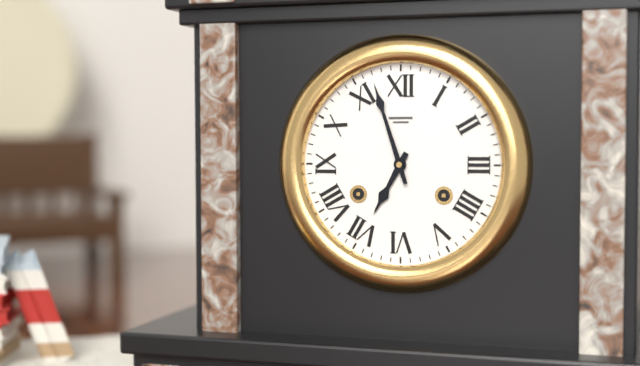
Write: h=6 m=57
